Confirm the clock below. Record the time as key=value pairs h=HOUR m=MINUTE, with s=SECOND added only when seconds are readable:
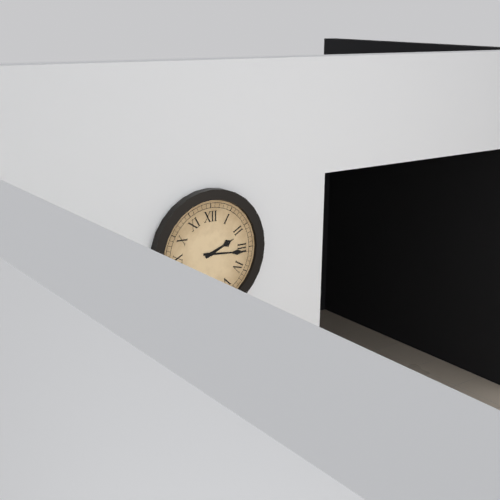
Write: h=2 m=16
